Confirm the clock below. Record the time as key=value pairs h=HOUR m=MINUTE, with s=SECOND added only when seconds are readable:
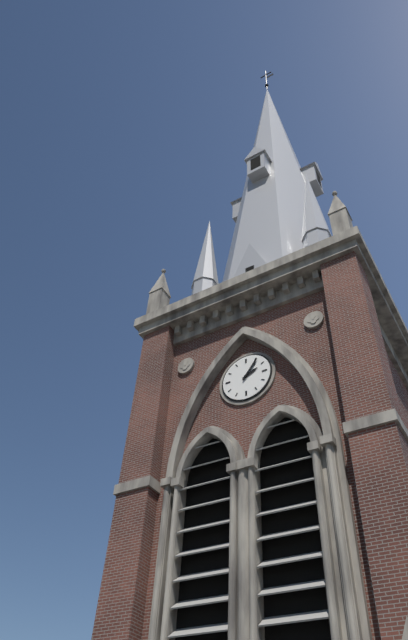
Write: h=2 m=6
